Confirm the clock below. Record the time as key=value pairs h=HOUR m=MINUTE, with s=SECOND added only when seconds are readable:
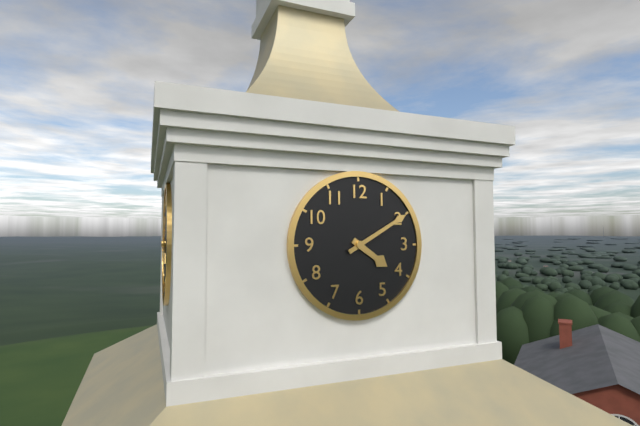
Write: h=4 m=10
